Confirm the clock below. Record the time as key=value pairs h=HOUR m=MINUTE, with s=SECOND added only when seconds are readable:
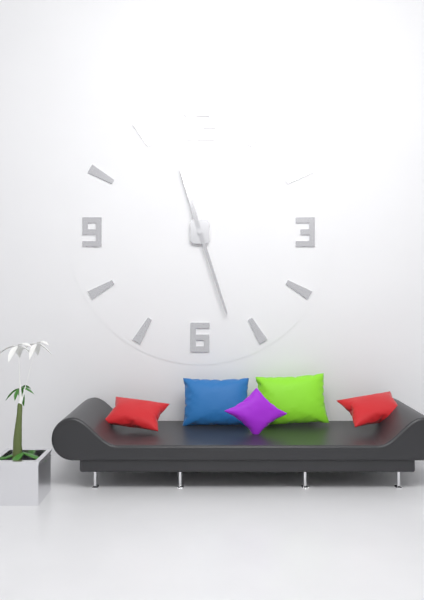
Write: h=11 m=27
